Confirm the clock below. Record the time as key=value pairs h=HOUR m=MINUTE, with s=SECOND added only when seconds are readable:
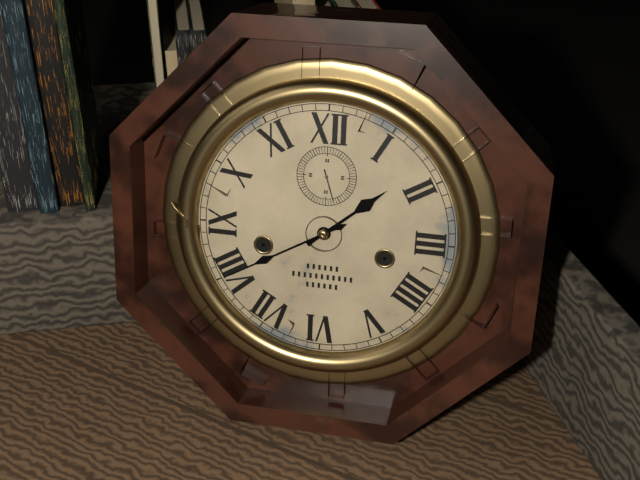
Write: h=1 m=40
